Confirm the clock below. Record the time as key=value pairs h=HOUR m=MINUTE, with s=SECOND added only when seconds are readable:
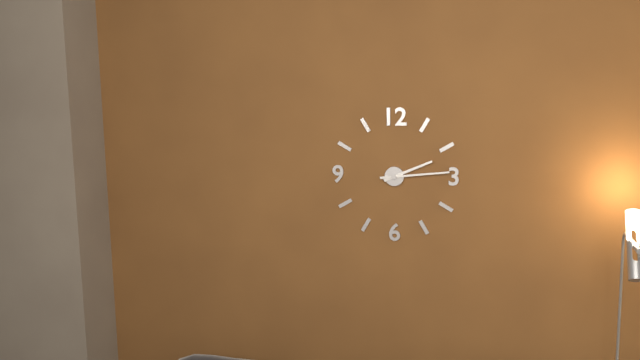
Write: h=2 m=14
